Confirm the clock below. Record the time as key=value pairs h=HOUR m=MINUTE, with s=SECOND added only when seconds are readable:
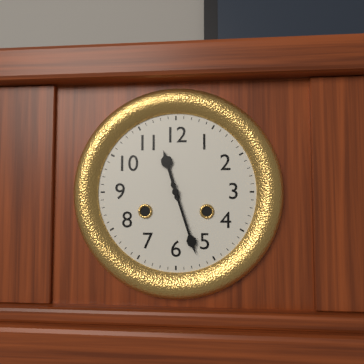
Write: h=11 m=27
